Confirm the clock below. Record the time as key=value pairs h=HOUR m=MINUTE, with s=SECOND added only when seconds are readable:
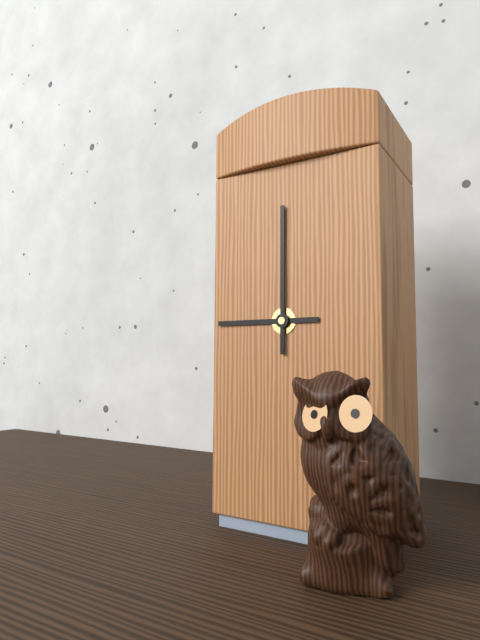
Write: h=9 m=0
